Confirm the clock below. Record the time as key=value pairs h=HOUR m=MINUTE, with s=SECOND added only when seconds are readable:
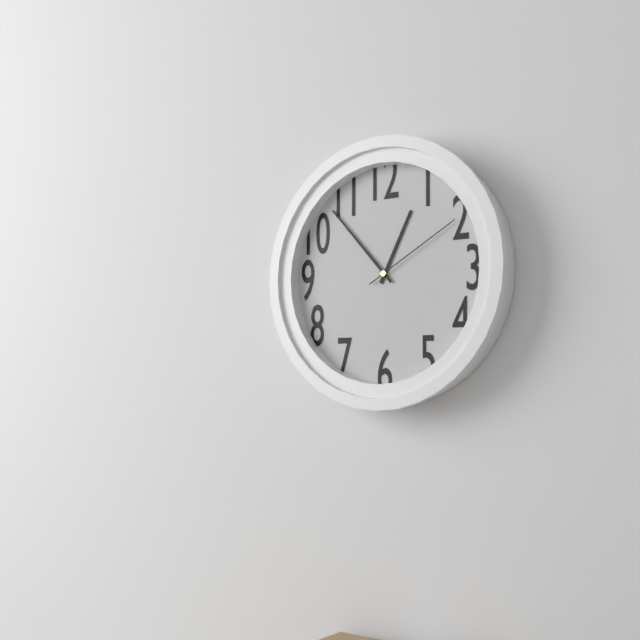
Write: h=12 m=53 s=10
